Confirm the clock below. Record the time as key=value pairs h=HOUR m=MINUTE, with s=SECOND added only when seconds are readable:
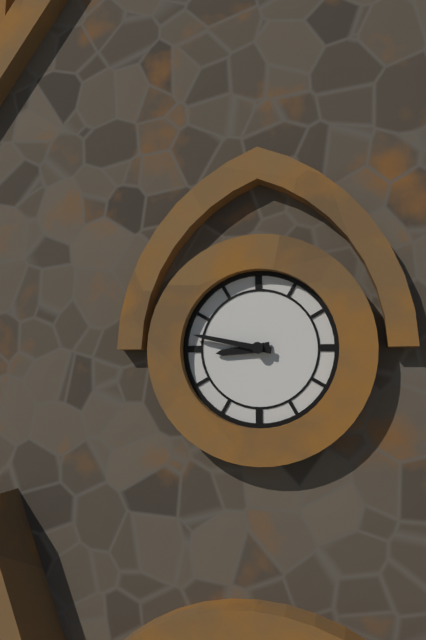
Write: h=8 m=47
